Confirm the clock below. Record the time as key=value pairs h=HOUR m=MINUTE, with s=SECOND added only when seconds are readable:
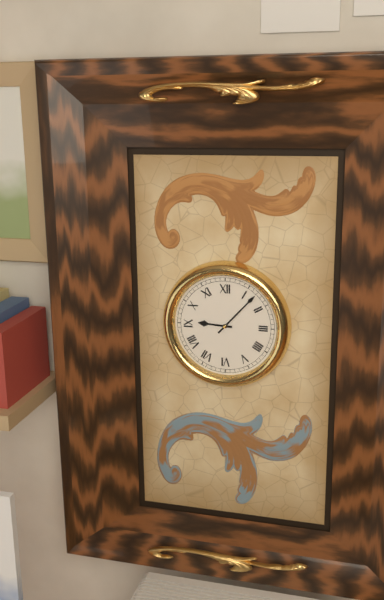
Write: h=9 m=7
